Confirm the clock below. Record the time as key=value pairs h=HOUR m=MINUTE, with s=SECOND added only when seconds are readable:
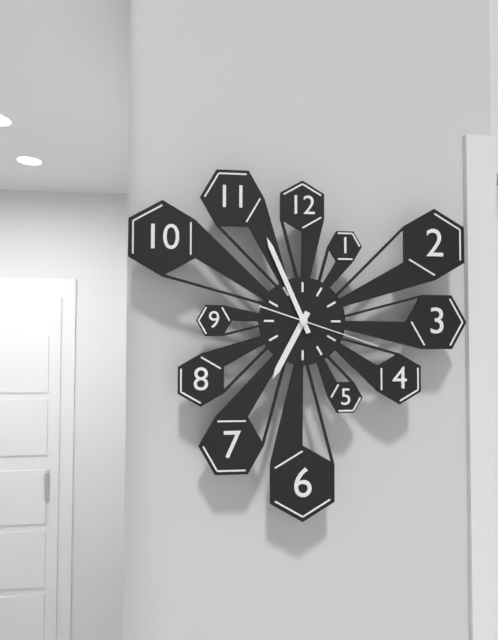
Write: h=6 m=56 s=18
